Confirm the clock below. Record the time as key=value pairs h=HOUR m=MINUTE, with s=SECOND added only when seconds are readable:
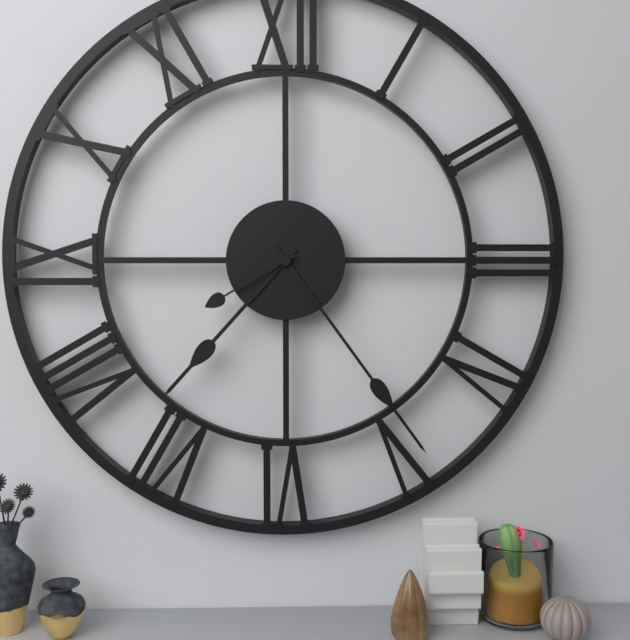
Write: h=7 m=24 s=40
